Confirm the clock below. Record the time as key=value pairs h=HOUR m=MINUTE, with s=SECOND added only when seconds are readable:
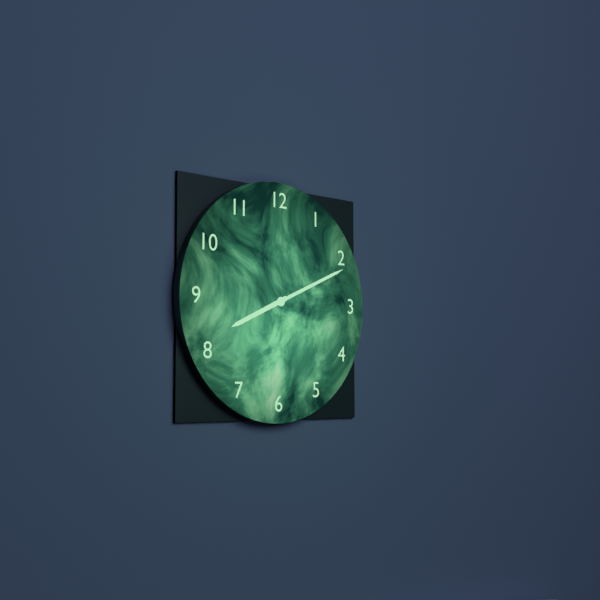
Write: h=8 m=11
